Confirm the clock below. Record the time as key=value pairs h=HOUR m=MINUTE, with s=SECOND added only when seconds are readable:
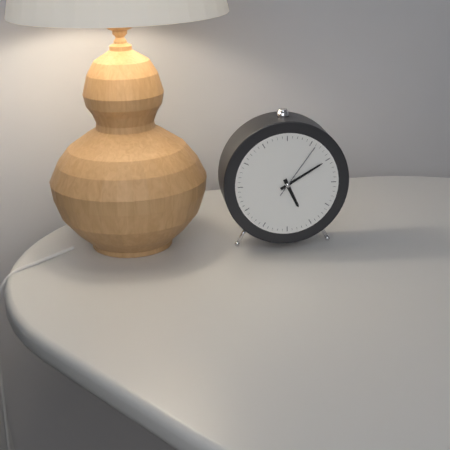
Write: h=5 m=10 s=6
